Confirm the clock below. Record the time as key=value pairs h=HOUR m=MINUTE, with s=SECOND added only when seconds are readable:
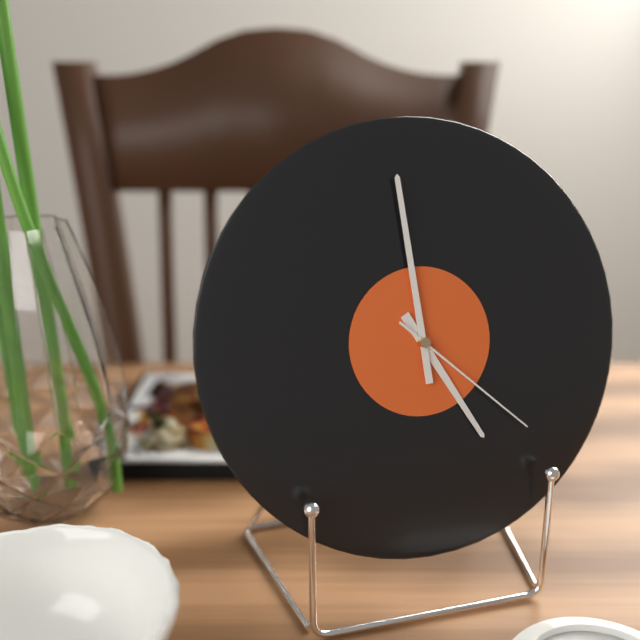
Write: h=4 m=59 s=22
